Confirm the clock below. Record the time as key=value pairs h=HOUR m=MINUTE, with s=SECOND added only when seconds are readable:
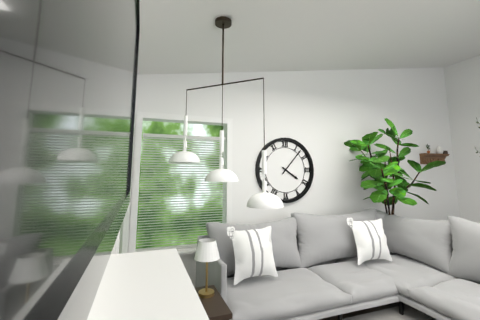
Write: h=4 m=7
